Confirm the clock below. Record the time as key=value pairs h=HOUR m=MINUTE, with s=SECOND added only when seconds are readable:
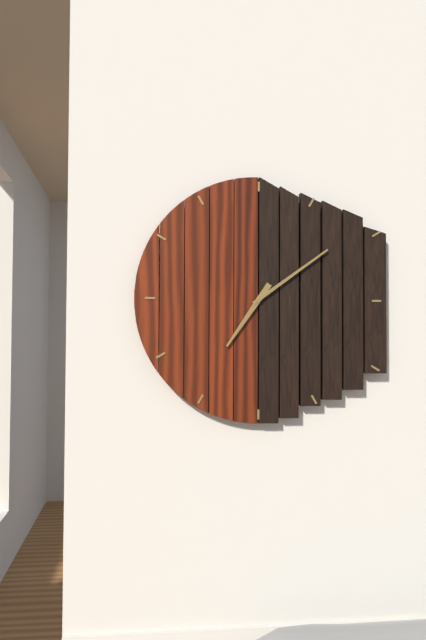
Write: h=7 m=9
